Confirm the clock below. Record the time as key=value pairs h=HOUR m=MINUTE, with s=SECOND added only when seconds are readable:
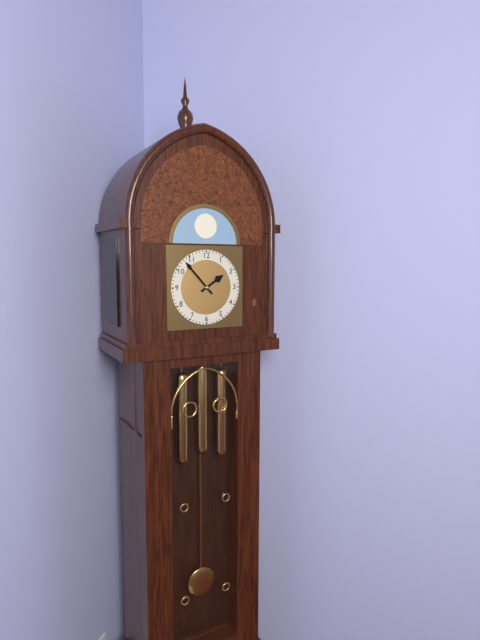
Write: h=1 m=53
